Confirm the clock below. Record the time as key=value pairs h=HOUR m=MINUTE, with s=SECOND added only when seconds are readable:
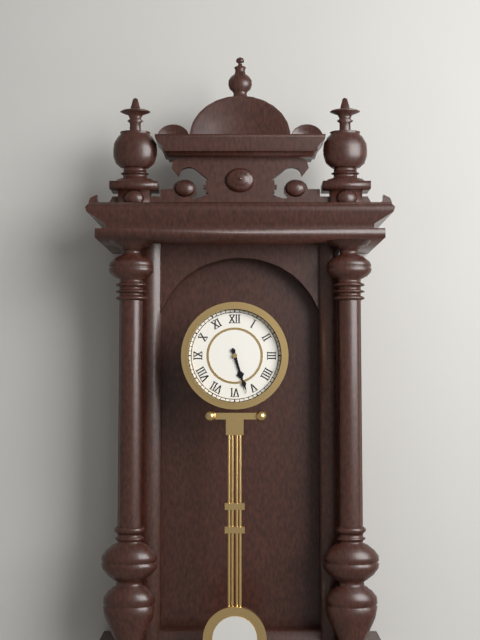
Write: h=5 m=27
